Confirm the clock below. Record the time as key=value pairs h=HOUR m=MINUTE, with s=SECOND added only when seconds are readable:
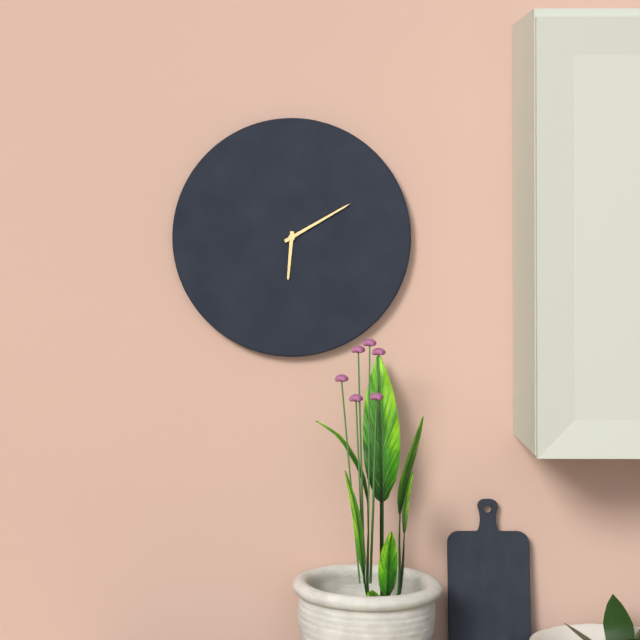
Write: h=6 m=10
